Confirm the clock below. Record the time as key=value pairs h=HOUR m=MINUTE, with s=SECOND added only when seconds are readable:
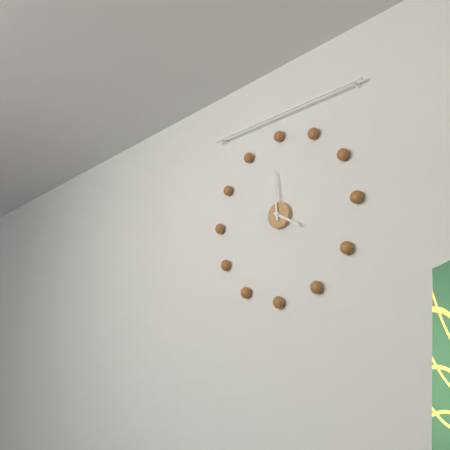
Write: h=3 m=59
